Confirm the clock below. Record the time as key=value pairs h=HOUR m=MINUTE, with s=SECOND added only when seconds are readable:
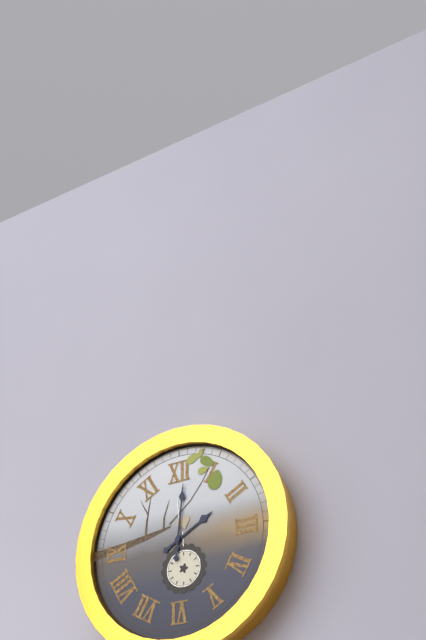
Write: h=2 m=1
